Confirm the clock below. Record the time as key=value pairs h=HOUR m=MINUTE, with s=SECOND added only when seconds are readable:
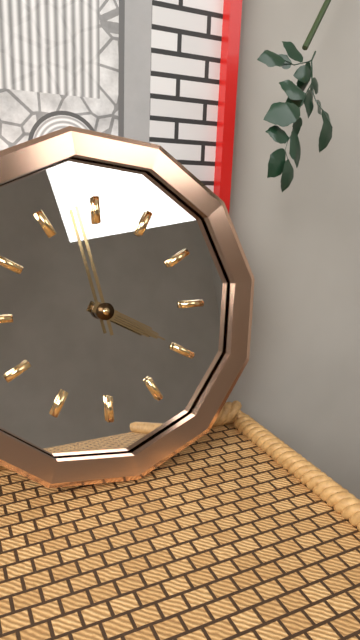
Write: h=3 m=58
